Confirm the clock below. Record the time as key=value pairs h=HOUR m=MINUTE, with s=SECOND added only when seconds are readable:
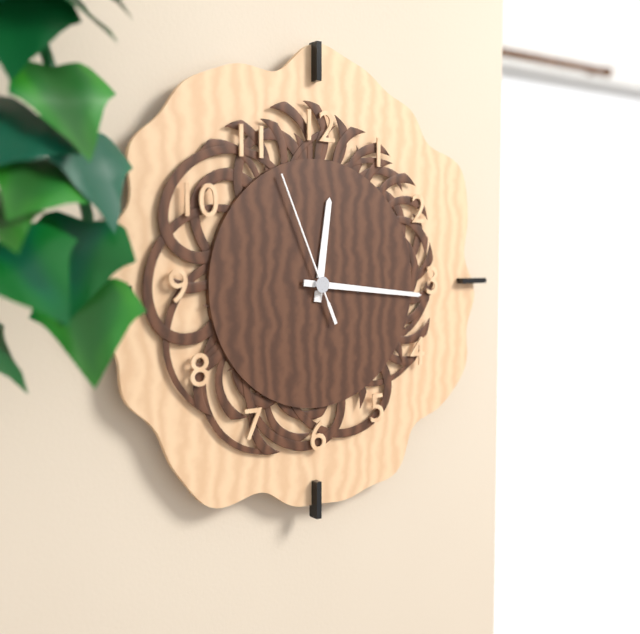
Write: h=12 m=16 s=56
